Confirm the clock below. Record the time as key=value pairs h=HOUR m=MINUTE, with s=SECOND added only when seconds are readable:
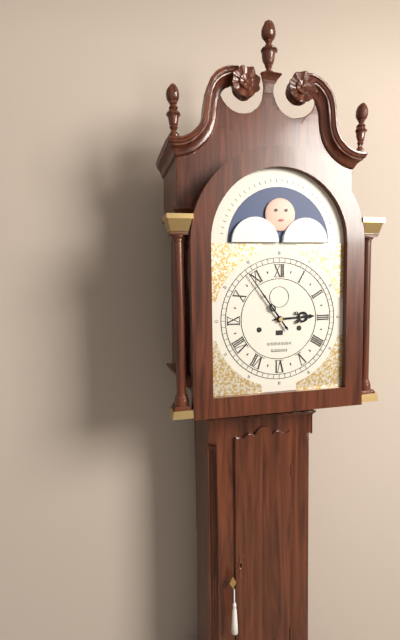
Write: h=2 m=54
